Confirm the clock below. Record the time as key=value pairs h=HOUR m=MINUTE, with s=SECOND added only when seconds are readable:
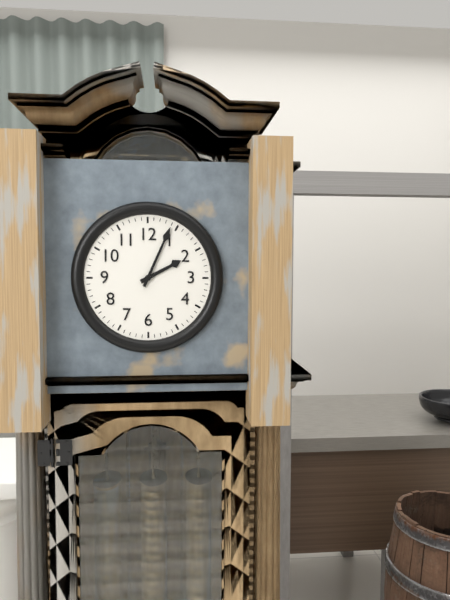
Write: h=2 m=4
